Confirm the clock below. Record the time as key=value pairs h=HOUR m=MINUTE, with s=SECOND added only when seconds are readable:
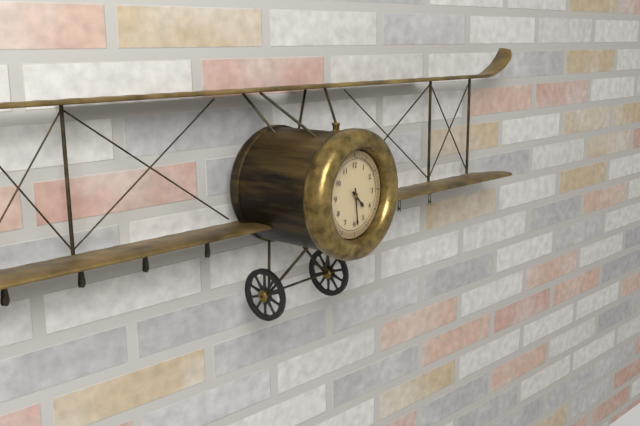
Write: h=4 m=29
